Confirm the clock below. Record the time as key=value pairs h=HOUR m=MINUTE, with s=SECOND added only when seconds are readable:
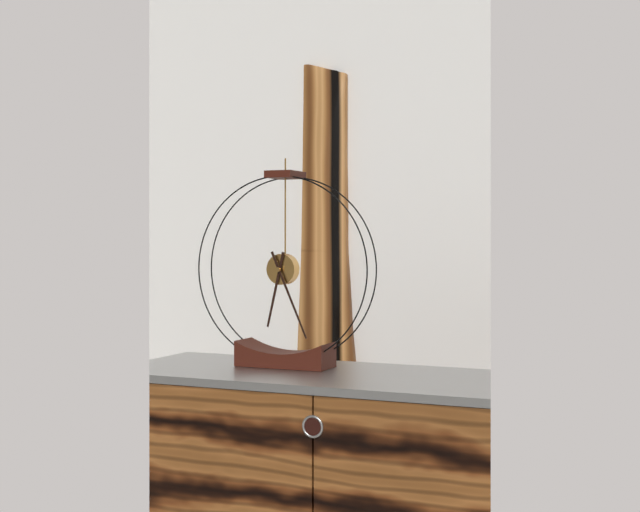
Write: h=6 m=26
